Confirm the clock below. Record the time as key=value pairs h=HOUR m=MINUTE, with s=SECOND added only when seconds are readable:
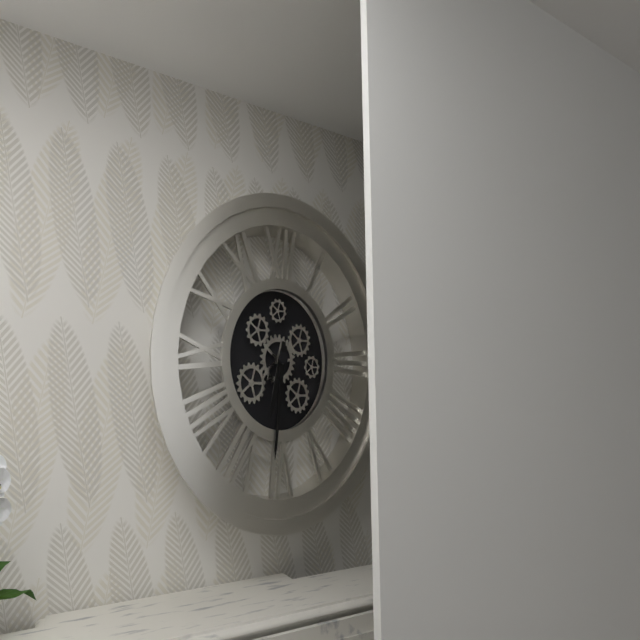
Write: h=6 m=31
